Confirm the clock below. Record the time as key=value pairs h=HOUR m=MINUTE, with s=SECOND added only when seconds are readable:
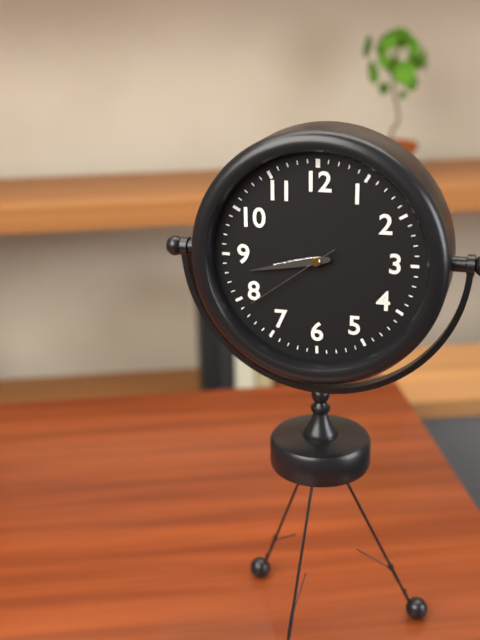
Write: h=8 m=43 s=39
